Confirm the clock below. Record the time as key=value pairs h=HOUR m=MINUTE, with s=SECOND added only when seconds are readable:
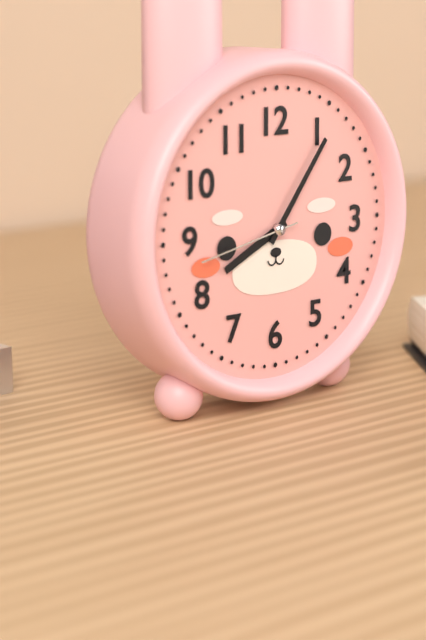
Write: h=8 m=6 s=43
